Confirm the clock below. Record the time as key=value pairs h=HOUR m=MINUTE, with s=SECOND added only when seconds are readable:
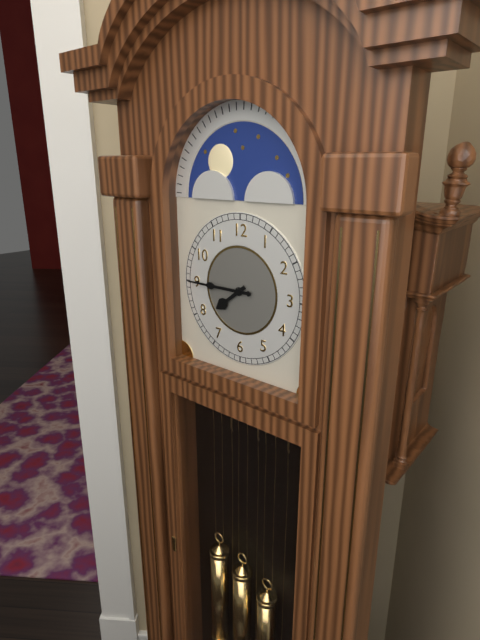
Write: h=7 m=45
